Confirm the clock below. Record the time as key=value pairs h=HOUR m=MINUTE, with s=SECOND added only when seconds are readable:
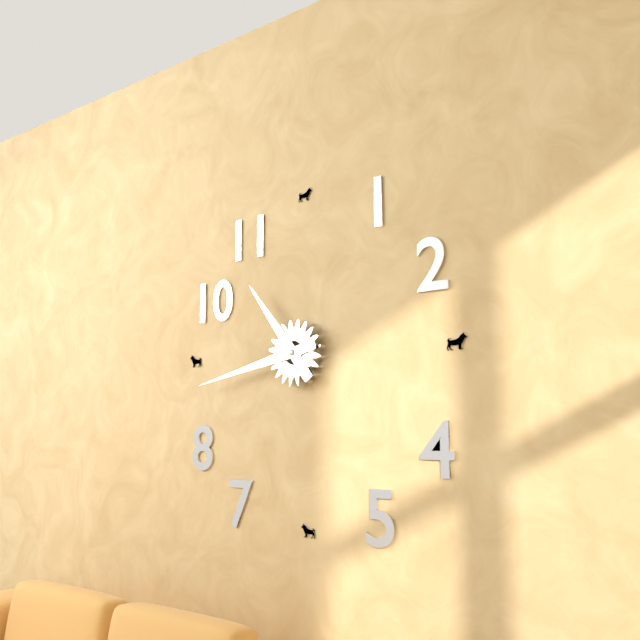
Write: h=10 m=43
